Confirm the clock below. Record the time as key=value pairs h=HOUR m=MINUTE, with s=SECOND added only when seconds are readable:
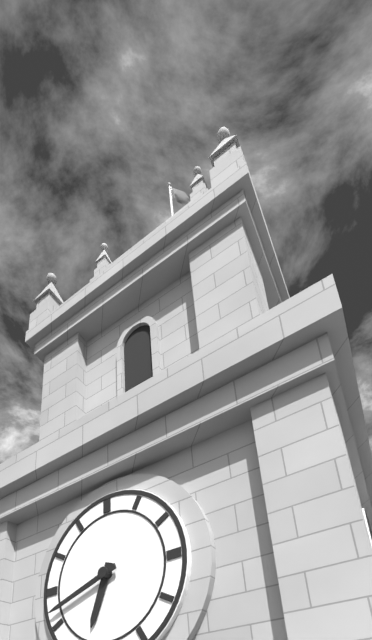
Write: h=6 m=42
